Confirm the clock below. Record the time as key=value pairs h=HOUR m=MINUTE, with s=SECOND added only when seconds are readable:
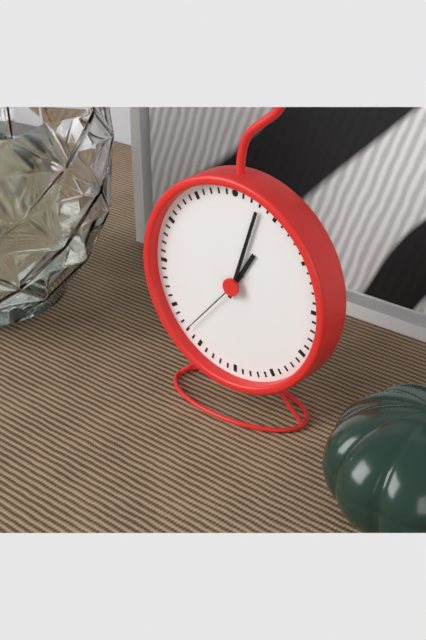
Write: h=1 m=3 s=37
